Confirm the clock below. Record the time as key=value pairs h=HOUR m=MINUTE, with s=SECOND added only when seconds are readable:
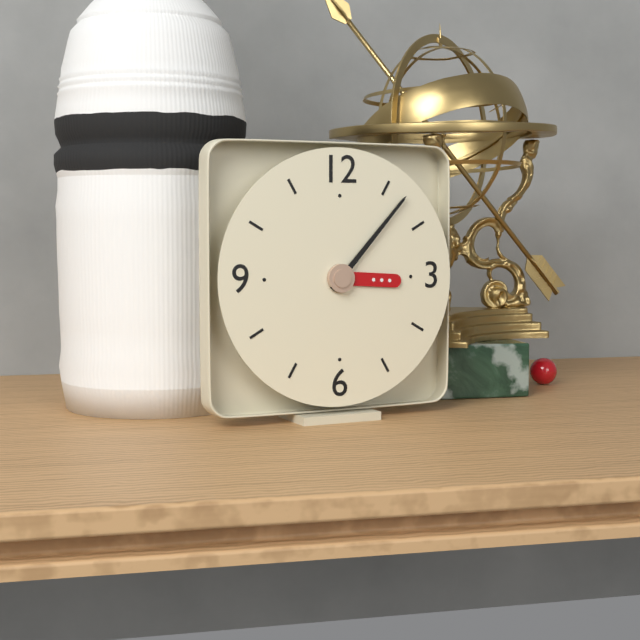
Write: h=3 m=7
